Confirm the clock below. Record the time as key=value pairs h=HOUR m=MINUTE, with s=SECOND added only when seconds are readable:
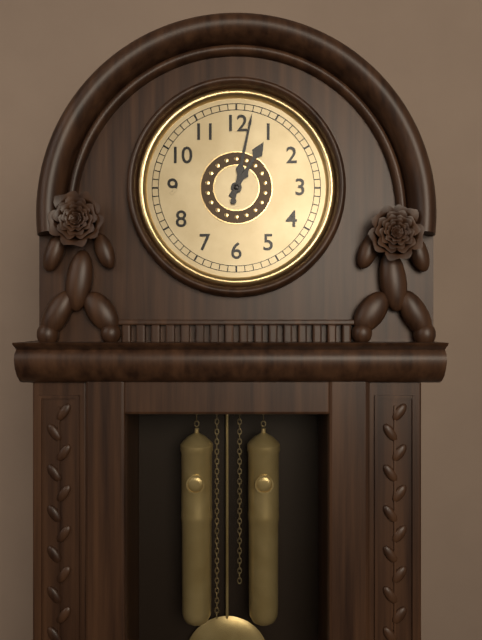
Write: h=1 m=2
